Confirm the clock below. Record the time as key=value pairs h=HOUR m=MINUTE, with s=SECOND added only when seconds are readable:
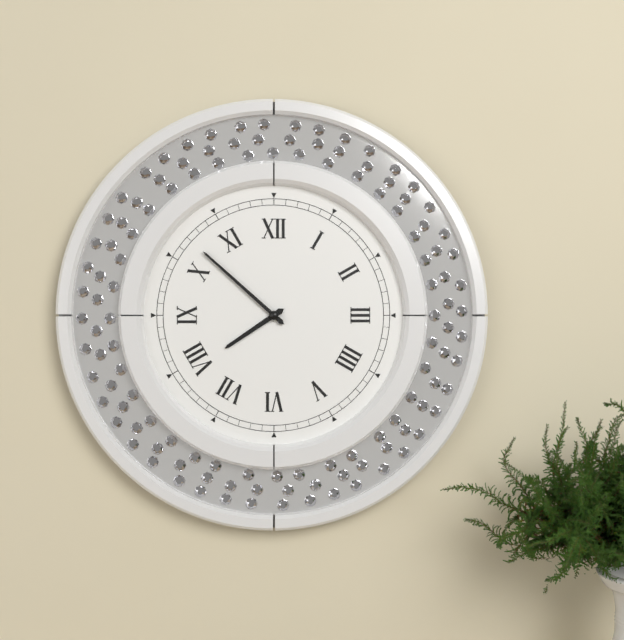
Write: h=7 m=52
